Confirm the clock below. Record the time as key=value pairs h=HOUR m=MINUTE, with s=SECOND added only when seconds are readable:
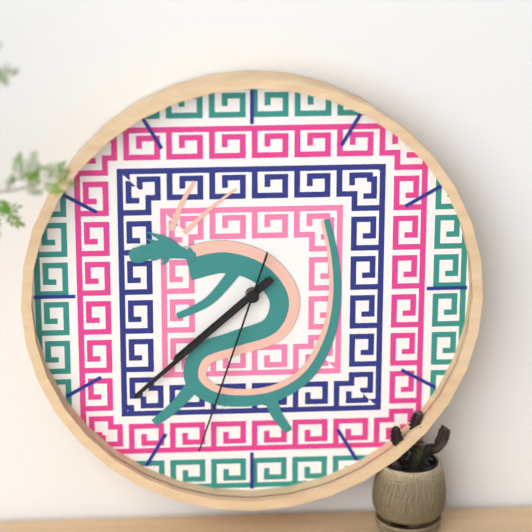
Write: h=7 m=38 s=33
